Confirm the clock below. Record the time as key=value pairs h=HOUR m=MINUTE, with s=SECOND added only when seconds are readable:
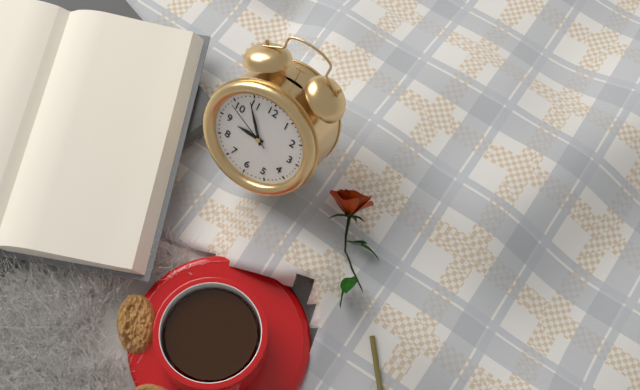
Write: h=8 m=54 s=49
